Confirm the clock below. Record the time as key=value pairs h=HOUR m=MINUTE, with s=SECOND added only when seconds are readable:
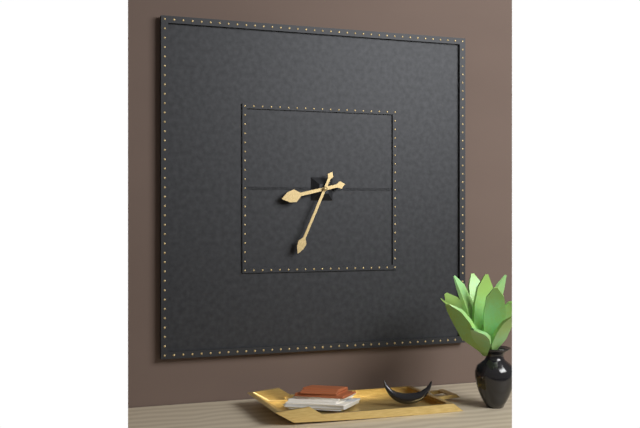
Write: h=8 m=34
